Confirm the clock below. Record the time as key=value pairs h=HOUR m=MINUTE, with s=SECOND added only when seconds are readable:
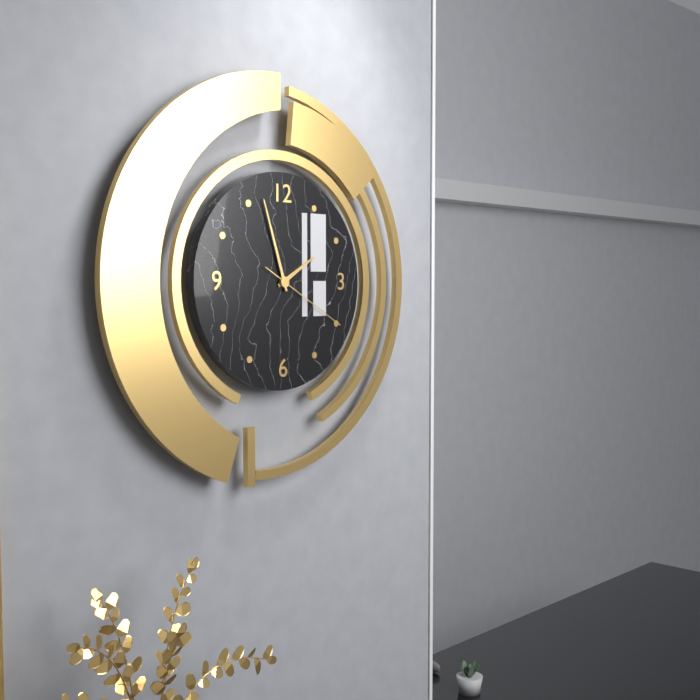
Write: h=1 m=57 s=20
